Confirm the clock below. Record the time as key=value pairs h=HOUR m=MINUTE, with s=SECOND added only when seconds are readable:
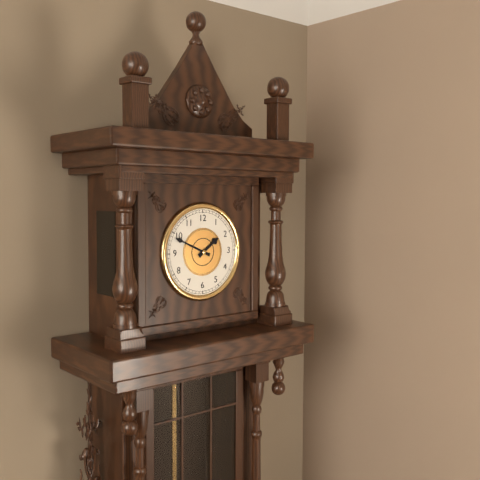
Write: h=1 m=49
